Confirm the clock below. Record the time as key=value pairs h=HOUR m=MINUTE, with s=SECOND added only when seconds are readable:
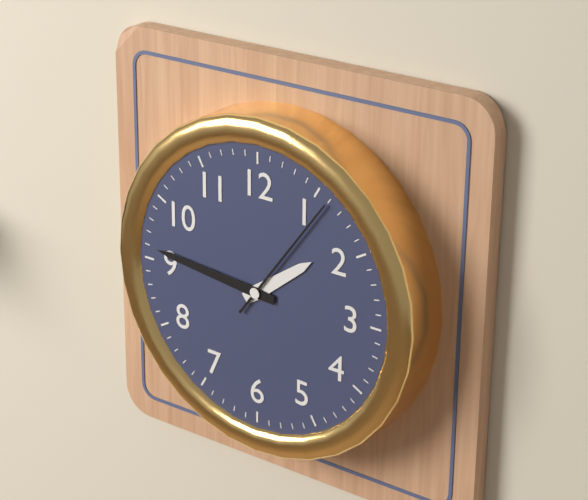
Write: h=1 m=46 s=6
